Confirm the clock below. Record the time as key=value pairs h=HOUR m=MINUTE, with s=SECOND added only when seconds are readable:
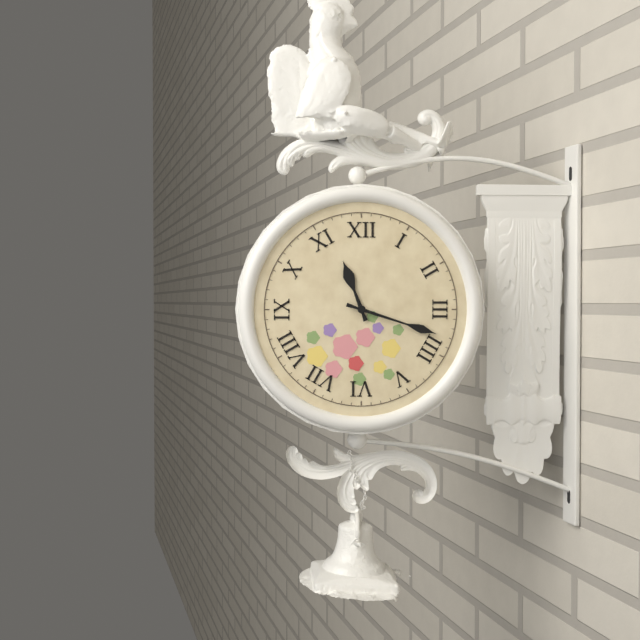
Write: h=11 m=18
